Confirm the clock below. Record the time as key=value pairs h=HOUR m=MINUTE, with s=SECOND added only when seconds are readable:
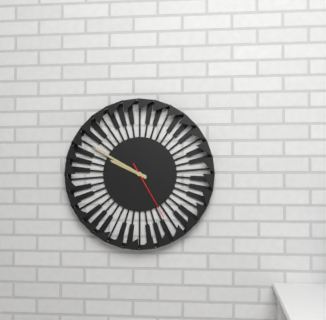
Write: h=9 m=50 s=25
